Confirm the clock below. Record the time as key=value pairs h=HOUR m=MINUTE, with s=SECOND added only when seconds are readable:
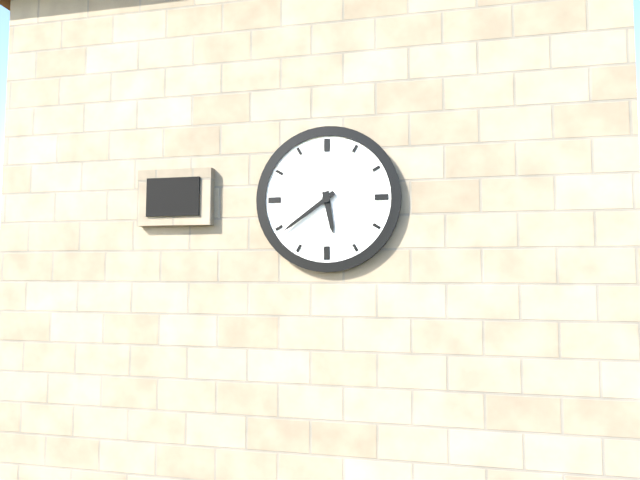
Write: h=5 m=39
